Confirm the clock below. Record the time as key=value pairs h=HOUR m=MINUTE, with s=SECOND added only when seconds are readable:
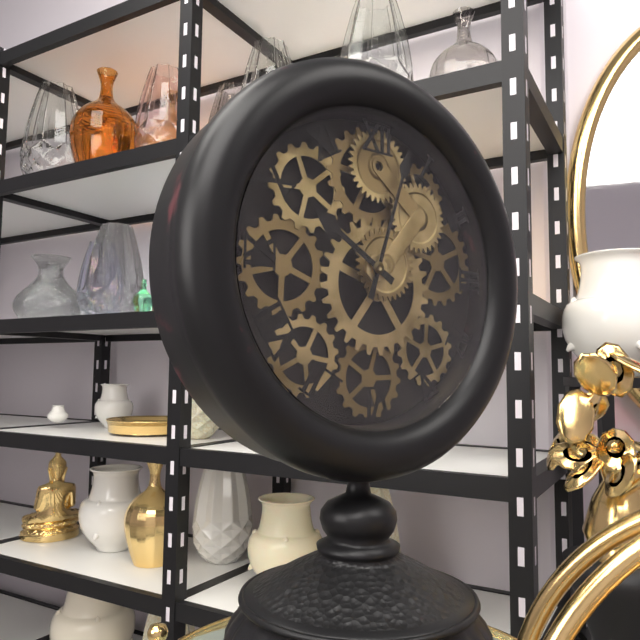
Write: h=10 m=3
